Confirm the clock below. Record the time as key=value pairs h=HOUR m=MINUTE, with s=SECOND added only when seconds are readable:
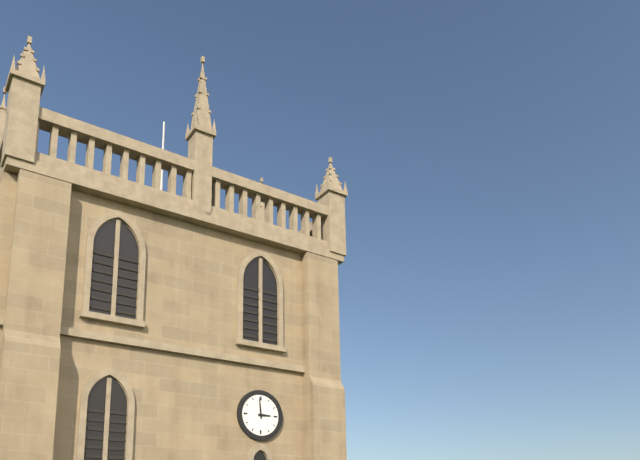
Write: h=2 m=59
